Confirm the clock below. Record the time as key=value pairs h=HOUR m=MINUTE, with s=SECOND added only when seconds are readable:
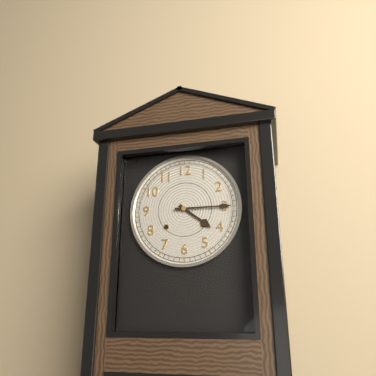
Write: h=4 m=15
